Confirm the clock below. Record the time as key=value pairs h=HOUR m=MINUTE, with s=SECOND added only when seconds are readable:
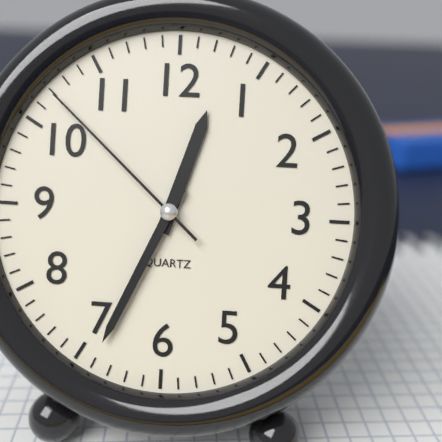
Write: h=12 m=34 s=52
